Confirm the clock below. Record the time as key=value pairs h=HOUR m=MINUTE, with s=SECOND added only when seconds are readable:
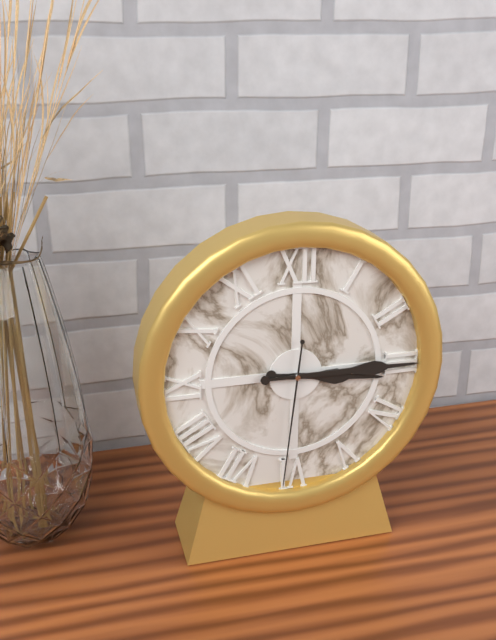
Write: h=3 m=15 s=31
